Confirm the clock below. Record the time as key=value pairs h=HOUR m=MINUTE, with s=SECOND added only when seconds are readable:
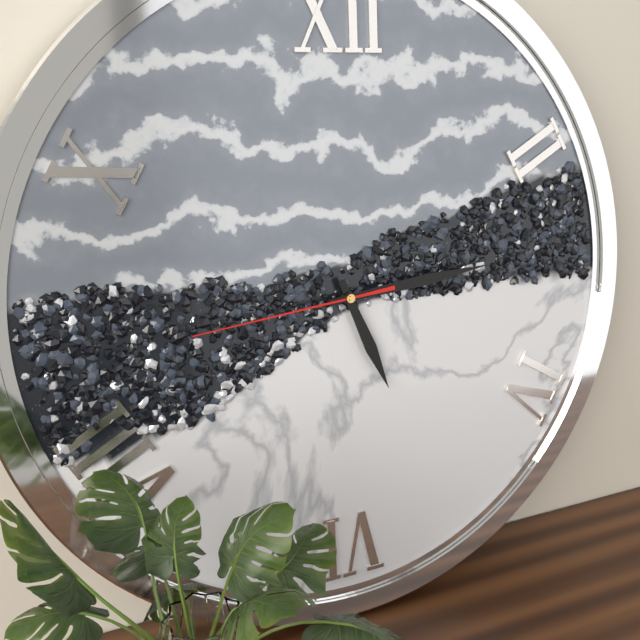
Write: h=5 m=14 s=44
